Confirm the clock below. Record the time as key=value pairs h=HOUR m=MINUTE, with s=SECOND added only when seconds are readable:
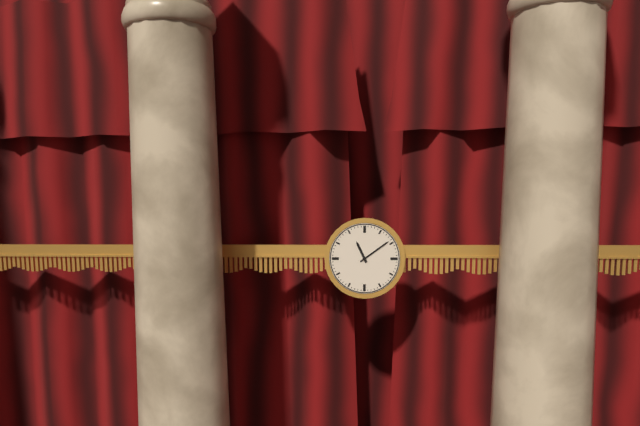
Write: h=11 m=9
